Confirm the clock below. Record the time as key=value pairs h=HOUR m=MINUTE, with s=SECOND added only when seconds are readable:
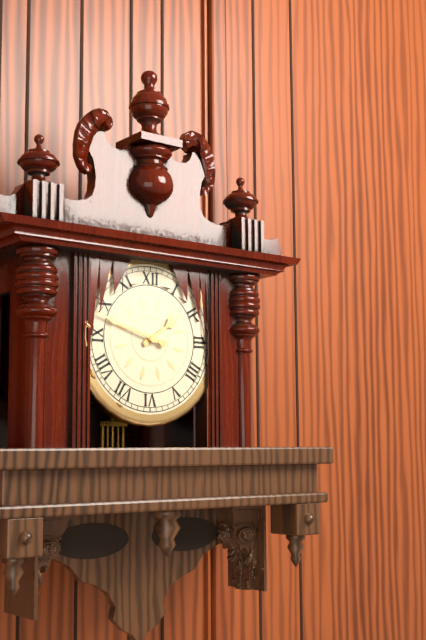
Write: h=1 m=48
